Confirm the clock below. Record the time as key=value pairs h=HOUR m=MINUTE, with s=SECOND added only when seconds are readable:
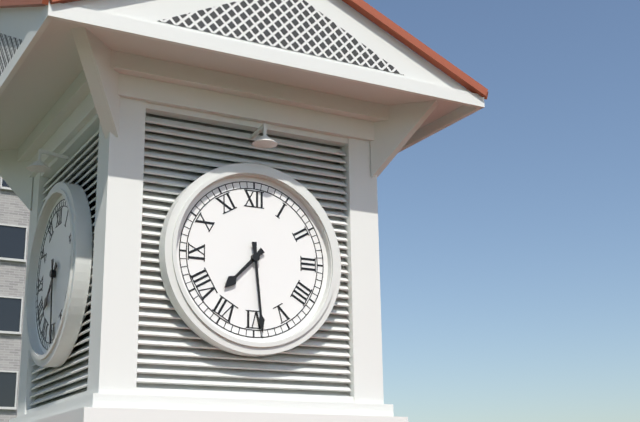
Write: h=7 m=29
